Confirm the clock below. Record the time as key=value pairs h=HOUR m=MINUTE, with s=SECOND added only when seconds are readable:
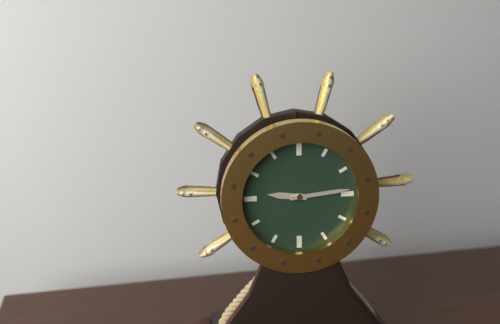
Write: h=9 m=14
